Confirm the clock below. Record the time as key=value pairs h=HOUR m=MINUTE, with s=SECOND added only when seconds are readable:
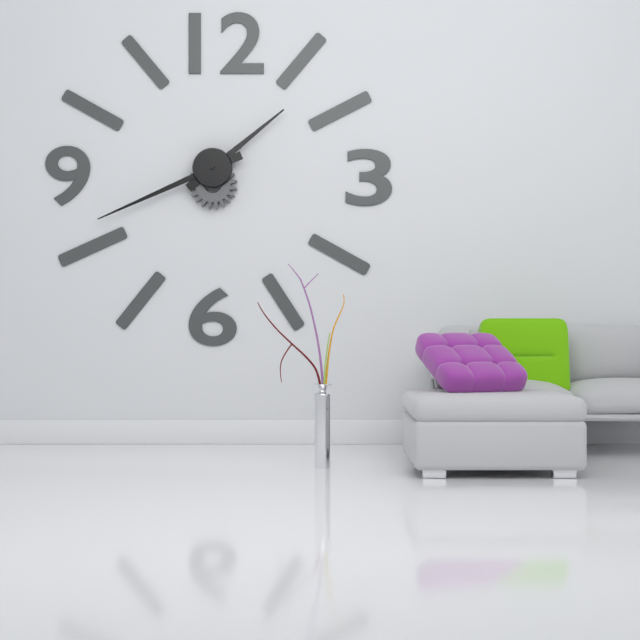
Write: h=1 m=41
